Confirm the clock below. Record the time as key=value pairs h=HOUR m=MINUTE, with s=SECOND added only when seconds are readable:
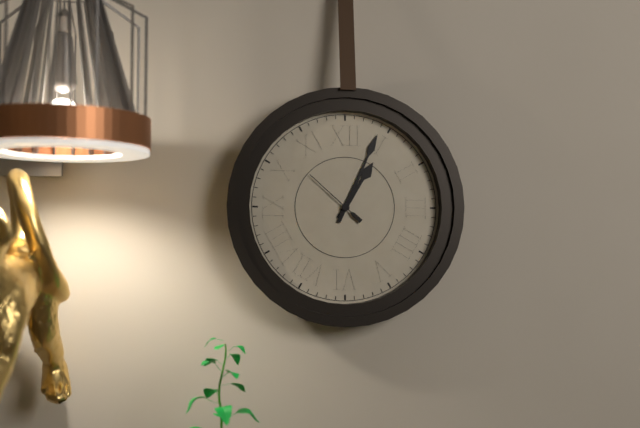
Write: h=1 m=4 s=52
